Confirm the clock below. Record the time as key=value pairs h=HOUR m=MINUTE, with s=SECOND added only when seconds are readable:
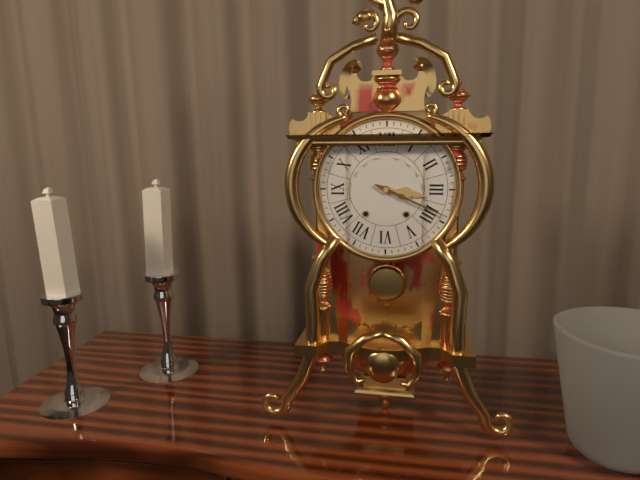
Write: h=3 m=19
